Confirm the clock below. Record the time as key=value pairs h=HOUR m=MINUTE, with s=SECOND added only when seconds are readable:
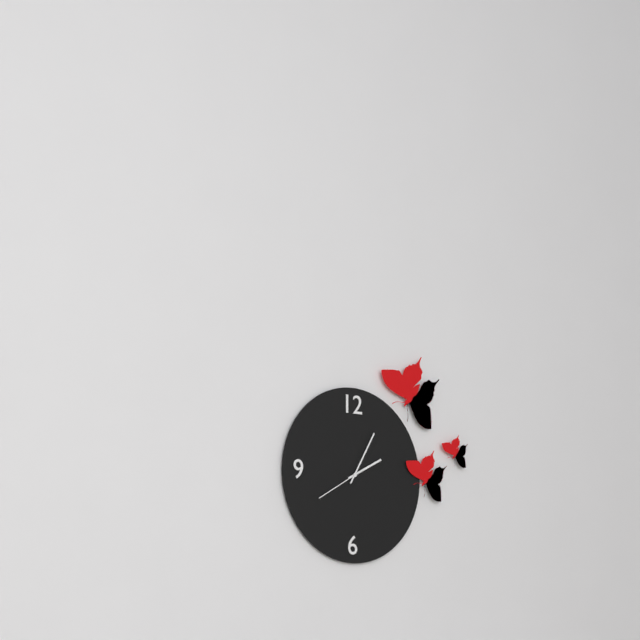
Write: h=2 m=5 s=40
